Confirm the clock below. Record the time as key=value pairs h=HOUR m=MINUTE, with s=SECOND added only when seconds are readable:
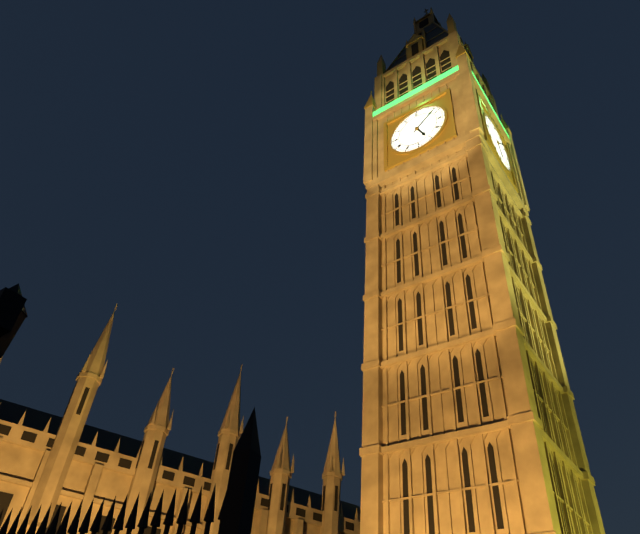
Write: h=5 m=8
